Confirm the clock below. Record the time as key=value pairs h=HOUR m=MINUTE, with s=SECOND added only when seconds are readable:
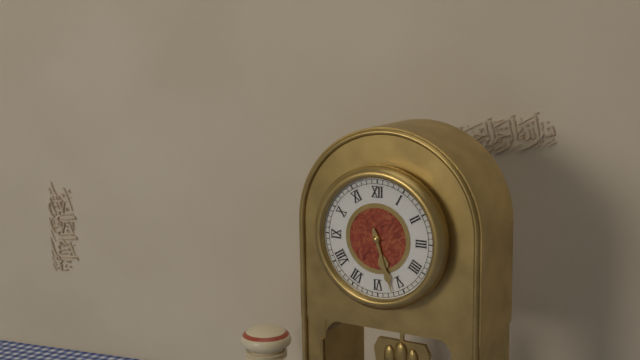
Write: h=5 m=27
